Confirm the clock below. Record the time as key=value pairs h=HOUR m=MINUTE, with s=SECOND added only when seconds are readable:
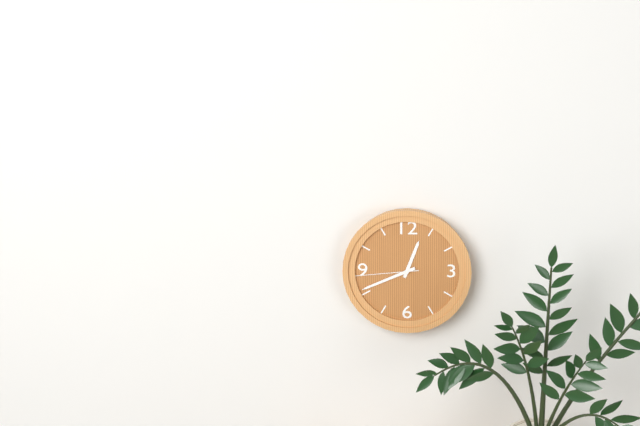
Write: h=12 m=41 s=44
